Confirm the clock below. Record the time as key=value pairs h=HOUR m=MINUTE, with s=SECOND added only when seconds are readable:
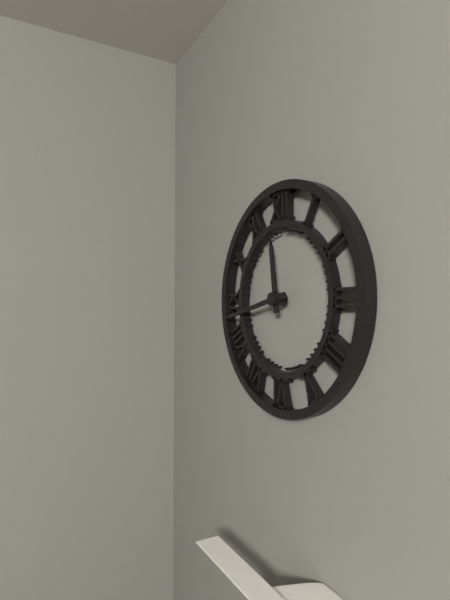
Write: h=11 m=43
